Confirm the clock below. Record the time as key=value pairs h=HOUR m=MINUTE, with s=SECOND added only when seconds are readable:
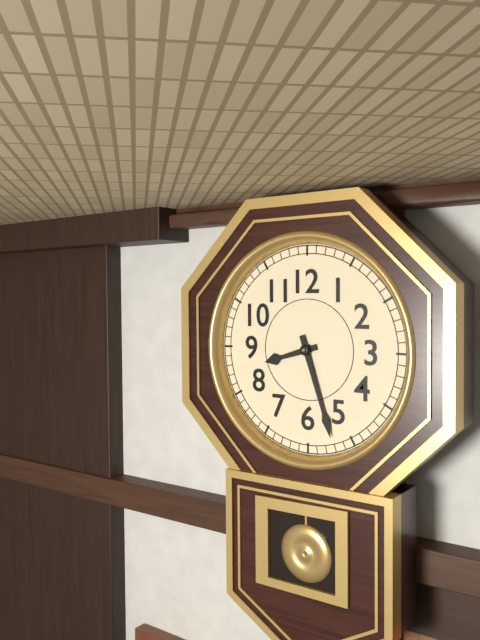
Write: h=8 m=27
